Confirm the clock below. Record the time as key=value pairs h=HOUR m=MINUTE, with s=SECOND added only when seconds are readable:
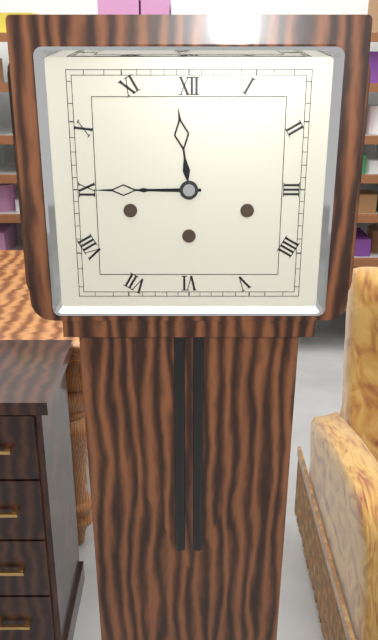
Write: h=11 m=45
